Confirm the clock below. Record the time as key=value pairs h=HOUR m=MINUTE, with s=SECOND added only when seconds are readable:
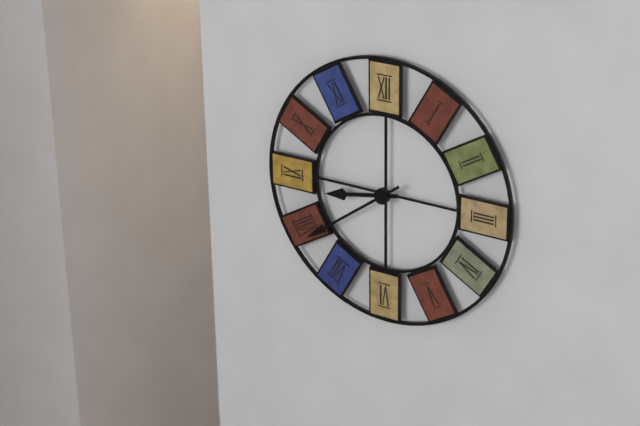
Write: h=8 m=39
